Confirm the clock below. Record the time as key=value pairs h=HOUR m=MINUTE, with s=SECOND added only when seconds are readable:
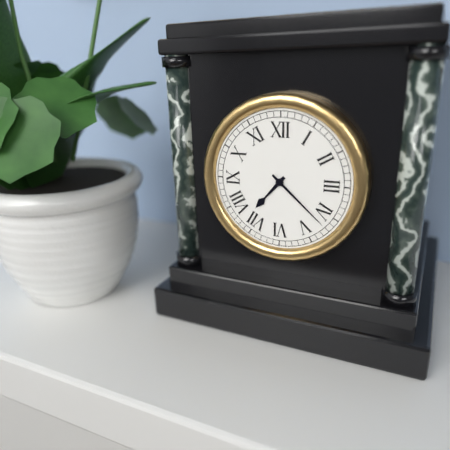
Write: h=7 m=22
